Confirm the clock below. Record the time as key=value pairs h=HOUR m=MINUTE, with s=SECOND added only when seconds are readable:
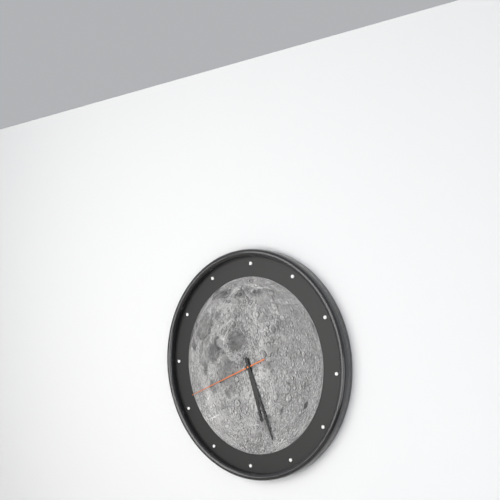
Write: h=5 m=26 s=41
